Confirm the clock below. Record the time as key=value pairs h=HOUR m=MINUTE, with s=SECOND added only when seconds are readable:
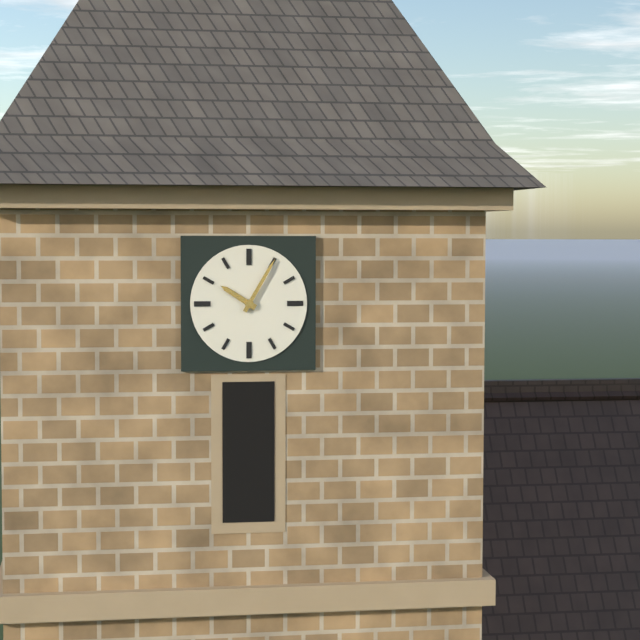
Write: h=10 m=5
